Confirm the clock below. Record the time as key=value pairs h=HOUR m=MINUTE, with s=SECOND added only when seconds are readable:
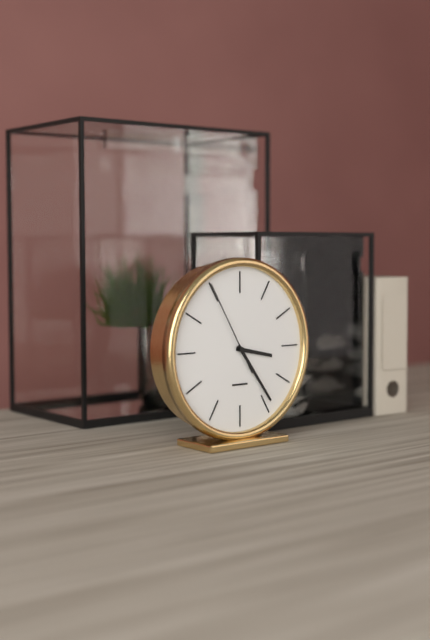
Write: h=3 m=24 s=55
